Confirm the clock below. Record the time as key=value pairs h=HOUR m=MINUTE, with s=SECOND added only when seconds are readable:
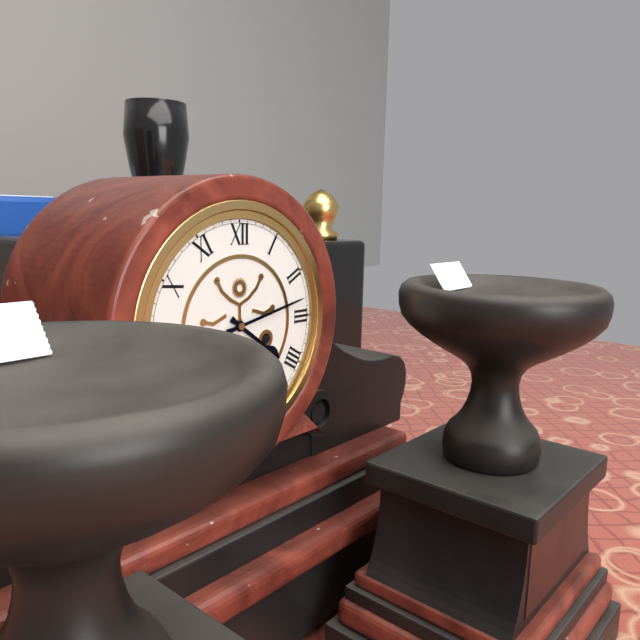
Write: h=4 m=13
